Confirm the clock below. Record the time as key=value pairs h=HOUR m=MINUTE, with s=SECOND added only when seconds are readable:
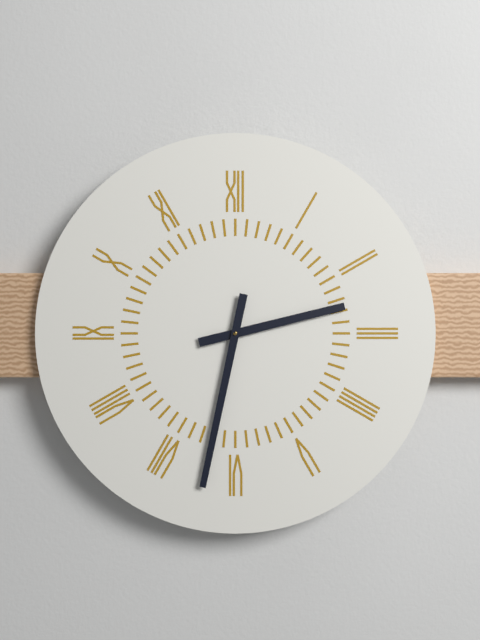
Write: h=2 m=32
